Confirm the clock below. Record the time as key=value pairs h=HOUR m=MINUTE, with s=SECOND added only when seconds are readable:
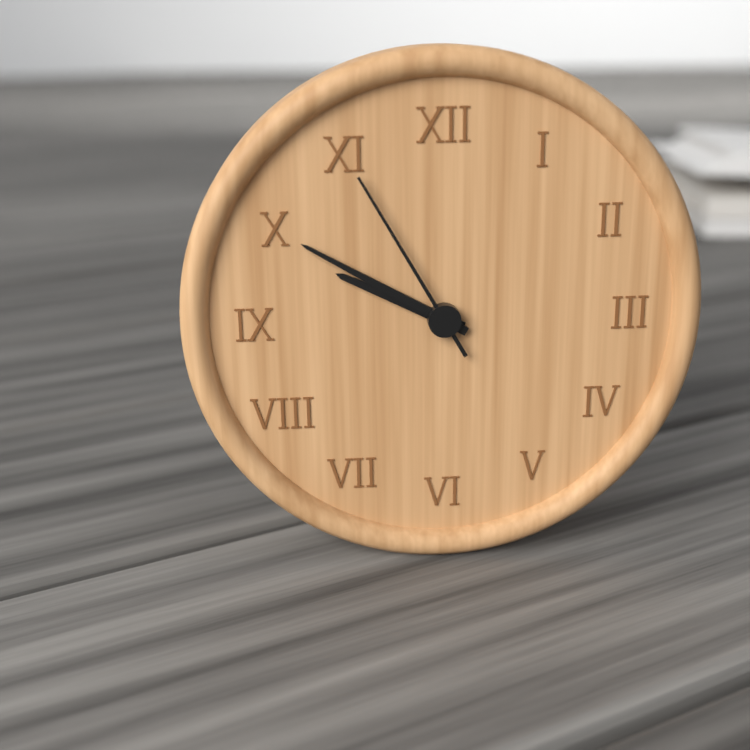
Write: h=9 m=50 s=55
